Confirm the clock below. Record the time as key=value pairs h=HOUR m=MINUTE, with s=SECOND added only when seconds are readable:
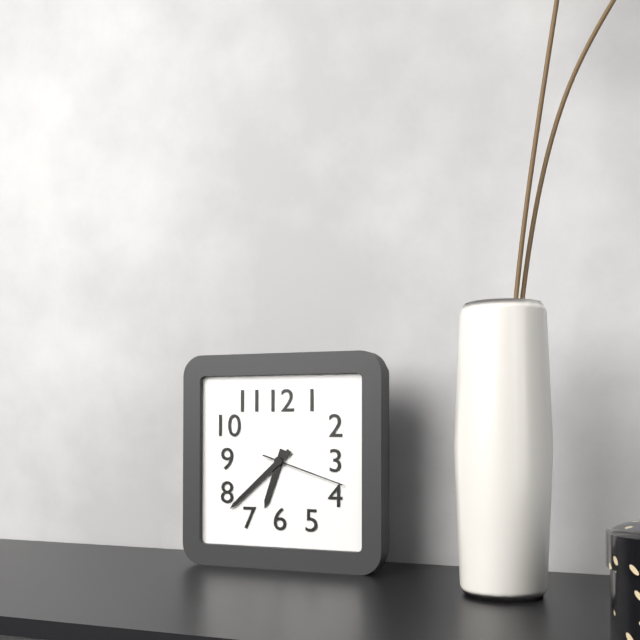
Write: h=6 m=38 s=18
